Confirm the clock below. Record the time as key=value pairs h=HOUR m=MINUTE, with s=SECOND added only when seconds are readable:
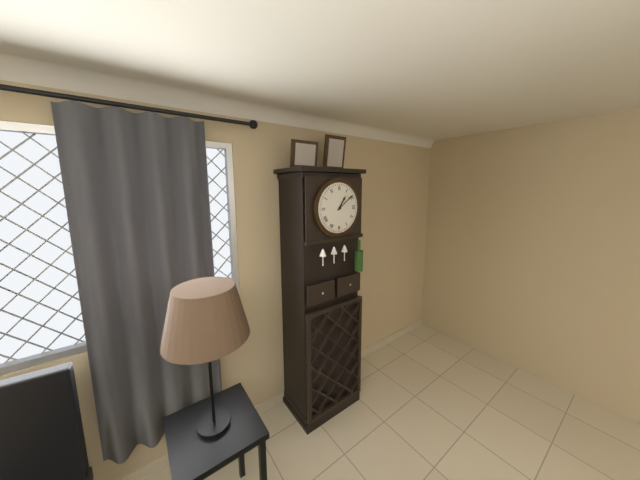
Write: h=1 m=9
